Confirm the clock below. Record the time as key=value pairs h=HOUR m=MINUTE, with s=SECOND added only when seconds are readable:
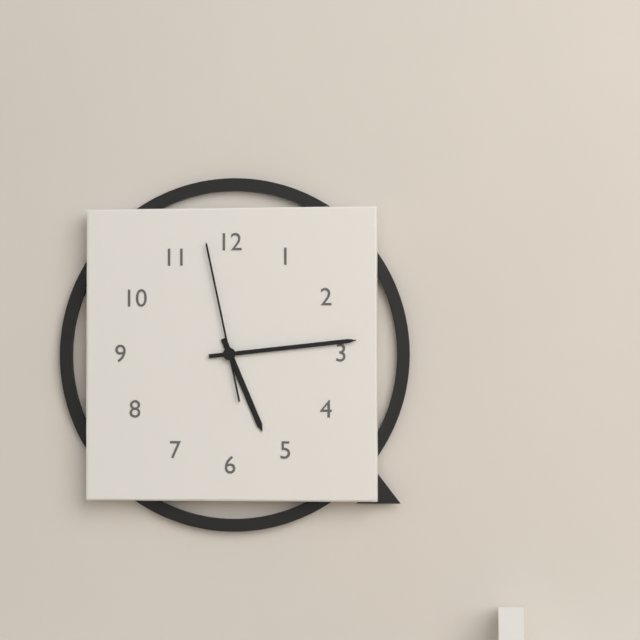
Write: h=5 m=14 s=58
